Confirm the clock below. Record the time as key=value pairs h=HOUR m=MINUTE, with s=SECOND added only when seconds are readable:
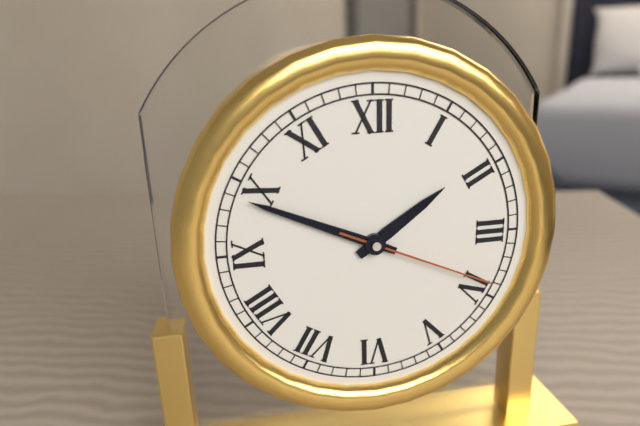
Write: h=1 m=49 s=19
